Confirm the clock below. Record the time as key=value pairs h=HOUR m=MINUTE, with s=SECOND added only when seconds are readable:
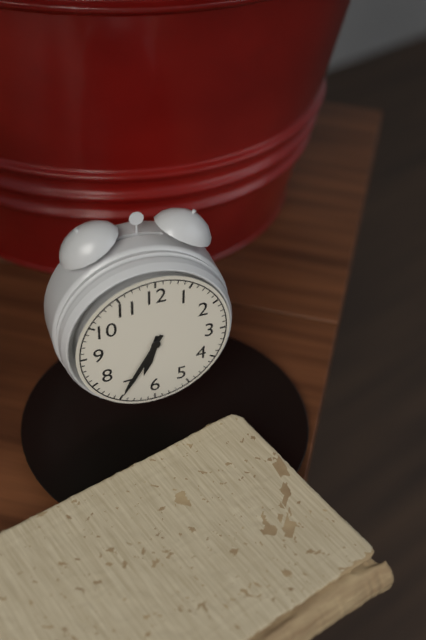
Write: h=6 m=35
